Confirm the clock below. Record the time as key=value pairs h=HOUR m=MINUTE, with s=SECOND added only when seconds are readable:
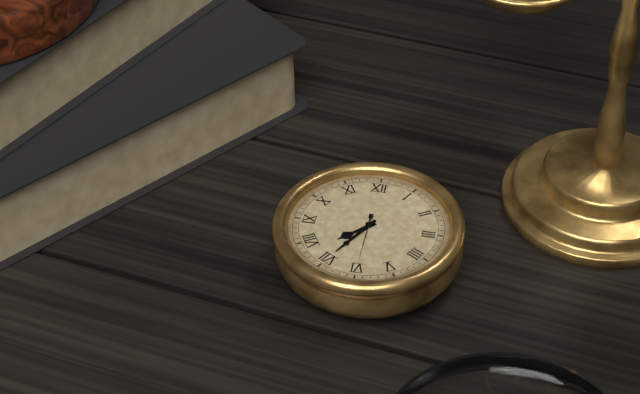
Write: h=7 m=35
